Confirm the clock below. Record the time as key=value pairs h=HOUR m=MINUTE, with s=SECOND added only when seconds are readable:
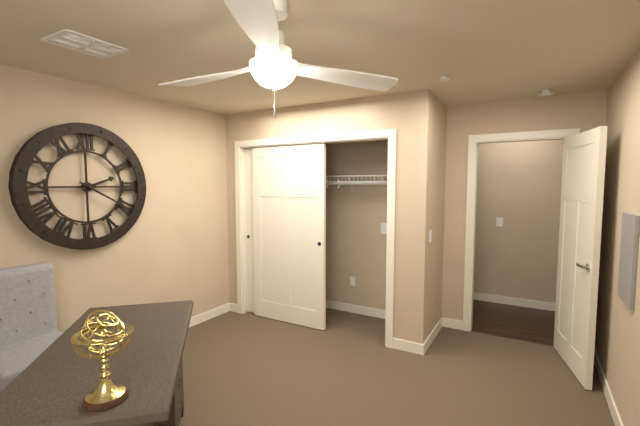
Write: h=2 m=20
